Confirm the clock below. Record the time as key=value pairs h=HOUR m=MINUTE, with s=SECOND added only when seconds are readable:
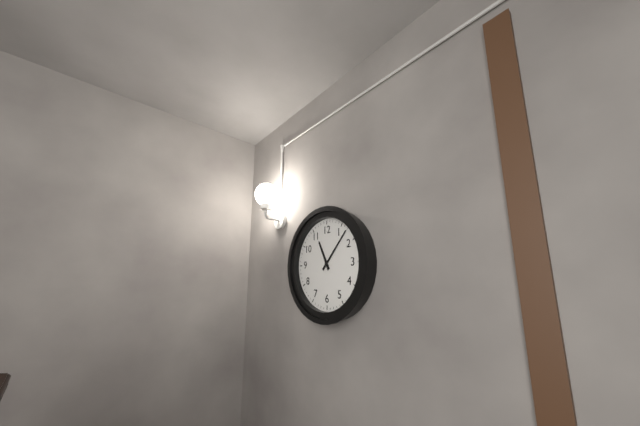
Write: h=11 m=7
